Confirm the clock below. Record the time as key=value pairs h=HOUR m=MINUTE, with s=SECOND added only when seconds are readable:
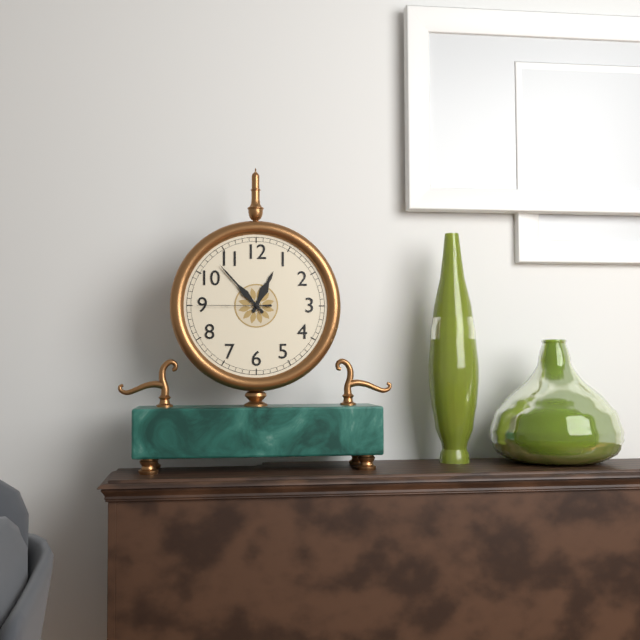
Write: h=12 m=53 s=45
